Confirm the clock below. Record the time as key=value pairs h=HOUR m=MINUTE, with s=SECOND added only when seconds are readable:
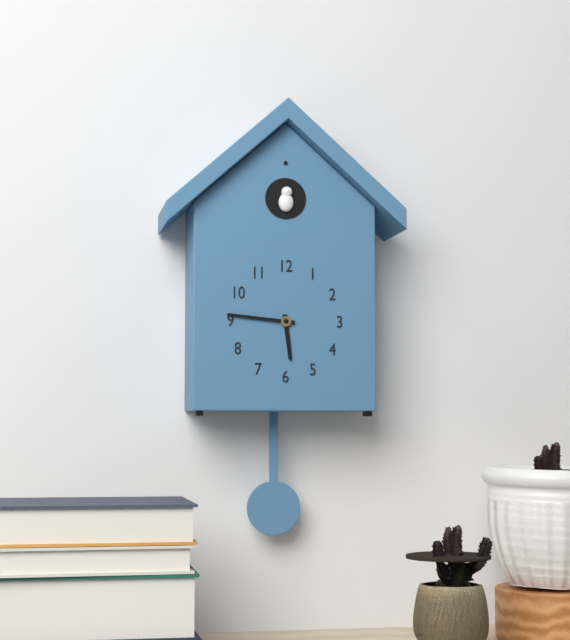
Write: h=5 m=46
